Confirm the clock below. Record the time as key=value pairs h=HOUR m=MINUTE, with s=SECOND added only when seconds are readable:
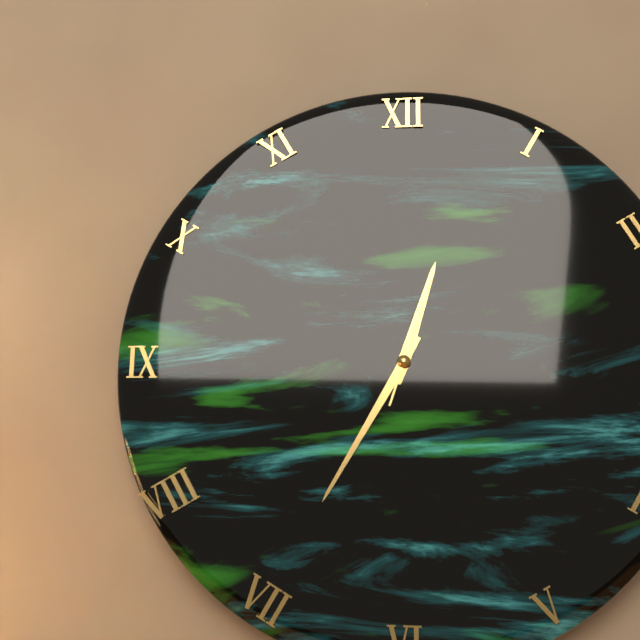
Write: h=12 m=35 s=3
